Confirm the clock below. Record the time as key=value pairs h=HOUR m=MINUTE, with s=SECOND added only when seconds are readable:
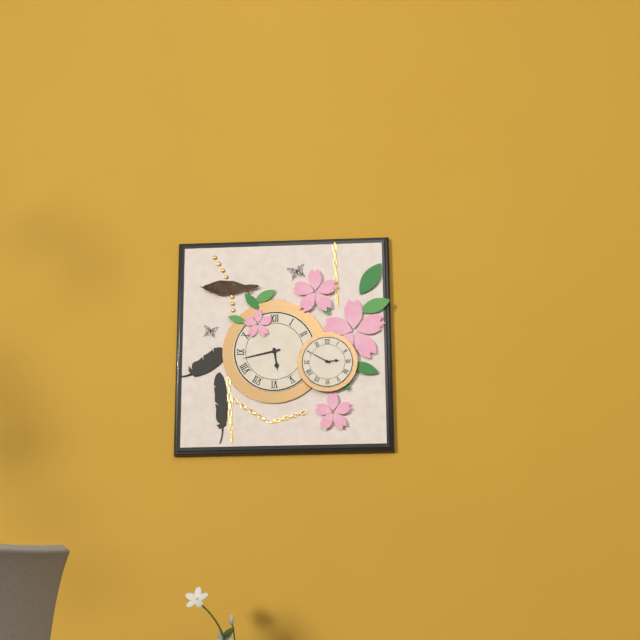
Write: h=5 m=43
